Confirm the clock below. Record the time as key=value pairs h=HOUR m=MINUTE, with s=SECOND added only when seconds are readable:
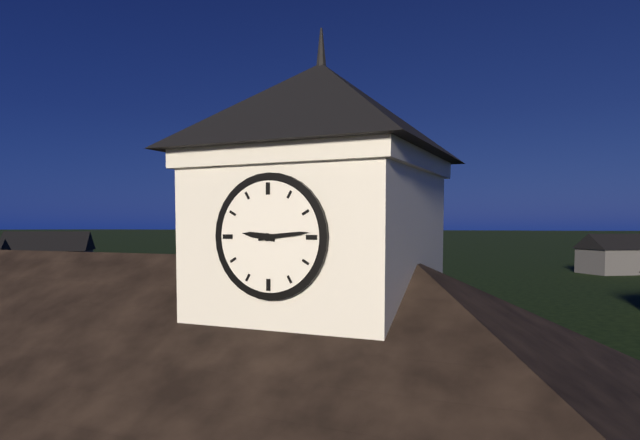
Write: h=9 m=14
